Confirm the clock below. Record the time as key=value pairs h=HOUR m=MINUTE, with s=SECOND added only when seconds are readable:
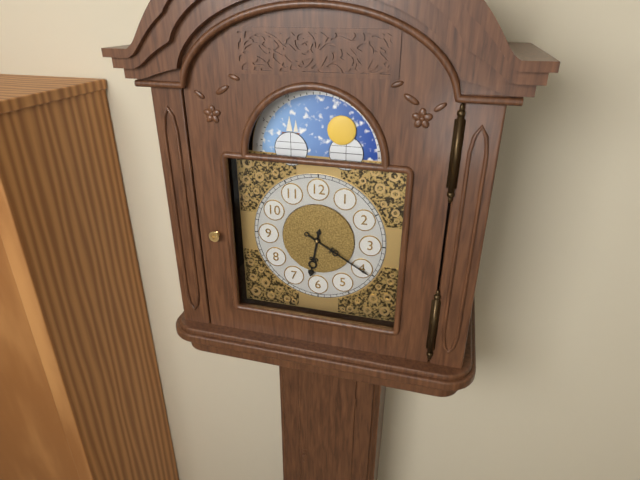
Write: h=6 m=20
